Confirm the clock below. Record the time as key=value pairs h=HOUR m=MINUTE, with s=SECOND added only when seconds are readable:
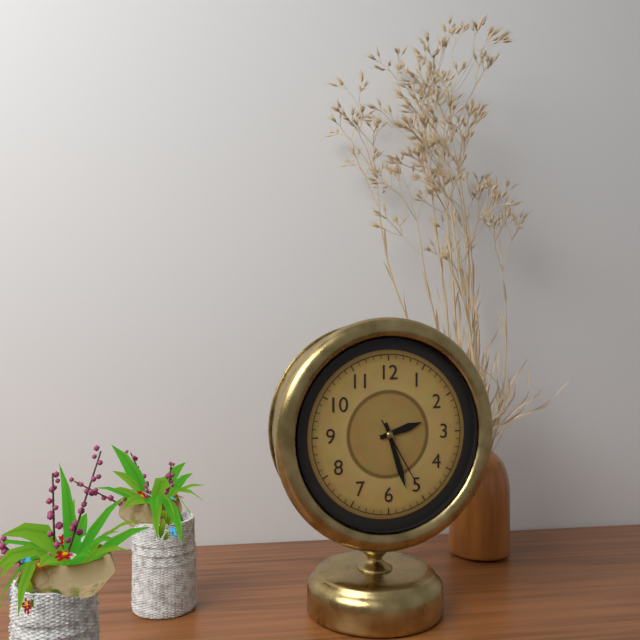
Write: h=2 m=27 s=25
